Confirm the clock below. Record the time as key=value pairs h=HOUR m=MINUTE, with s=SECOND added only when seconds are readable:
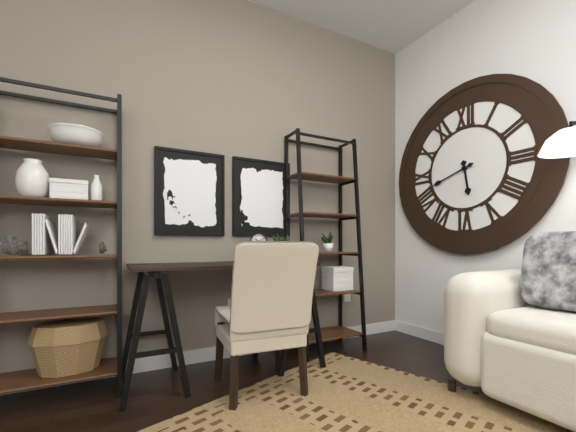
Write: h=5 m=42
